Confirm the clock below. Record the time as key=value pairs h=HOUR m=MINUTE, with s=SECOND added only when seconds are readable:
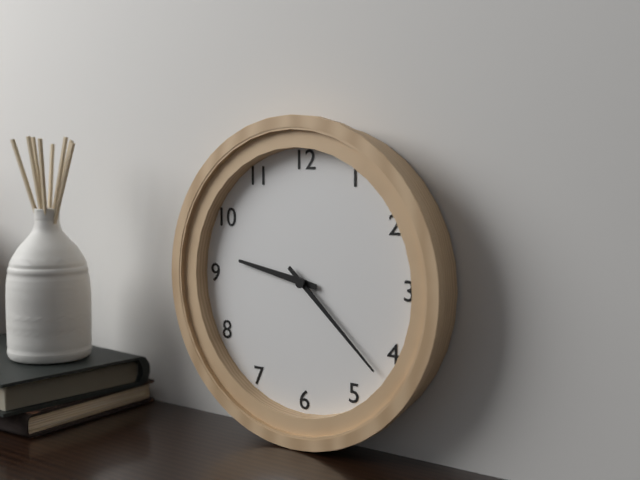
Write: h=9 m=22
